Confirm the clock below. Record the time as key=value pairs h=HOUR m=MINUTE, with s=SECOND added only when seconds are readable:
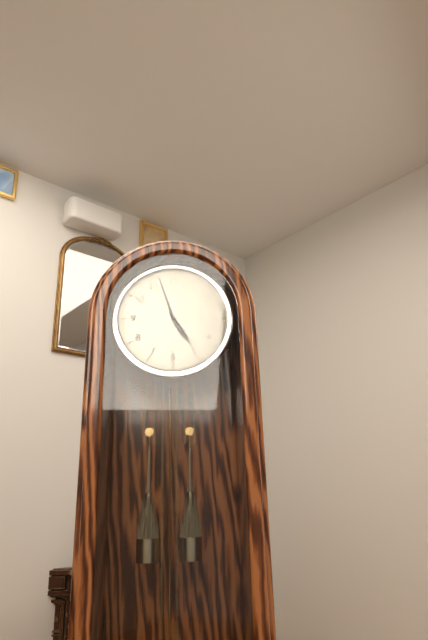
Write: h=4 m=57
